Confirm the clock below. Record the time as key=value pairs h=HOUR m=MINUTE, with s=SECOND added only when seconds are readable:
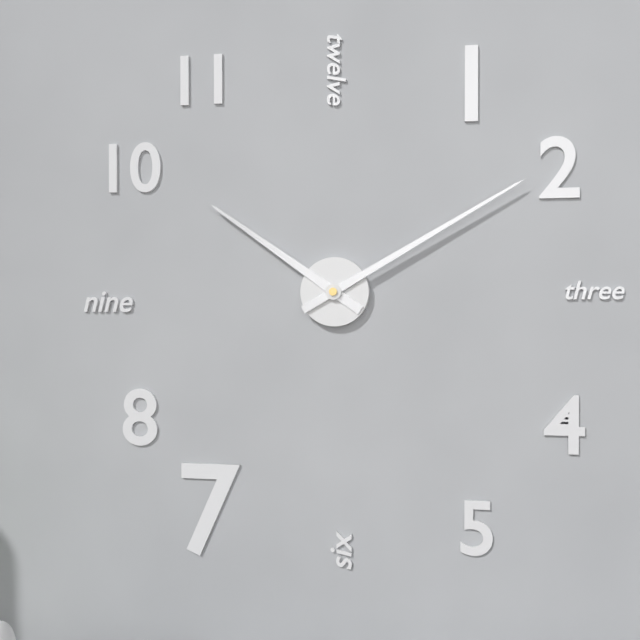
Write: h=10 m=10
